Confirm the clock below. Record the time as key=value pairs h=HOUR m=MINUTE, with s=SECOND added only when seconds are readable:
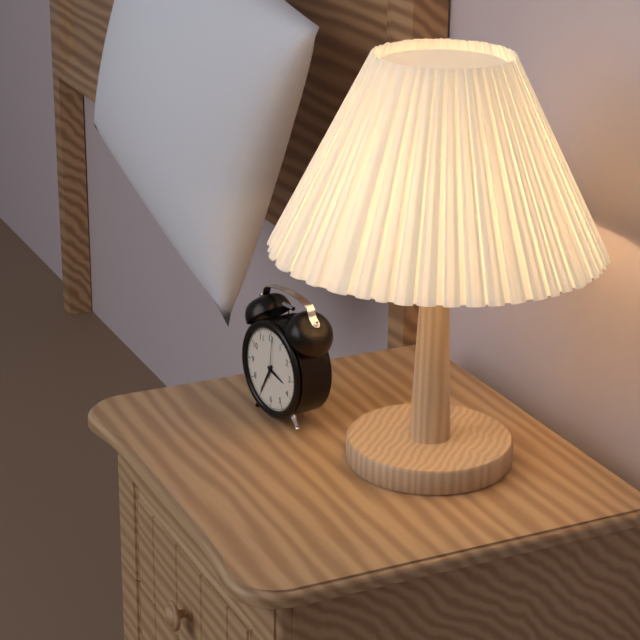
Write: h=3 m=35
